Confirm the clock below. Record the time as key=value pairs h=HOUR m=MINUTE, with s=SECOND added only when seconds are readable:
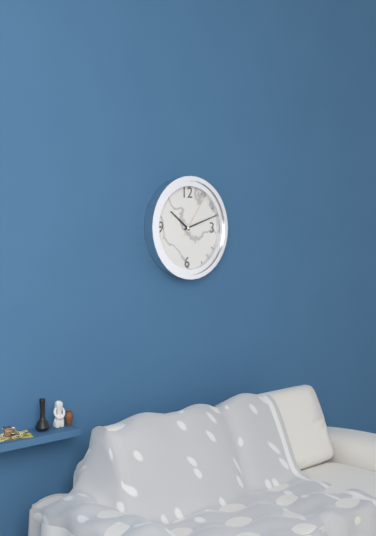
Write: h=10 m=12
